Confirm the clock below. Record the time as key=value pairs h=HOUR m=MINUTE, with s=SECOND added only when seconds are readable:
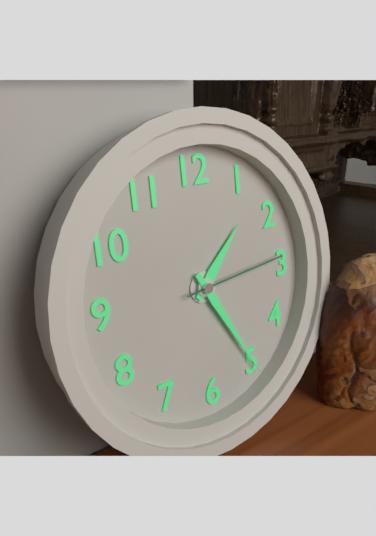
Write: h=1 m=25 s=14
